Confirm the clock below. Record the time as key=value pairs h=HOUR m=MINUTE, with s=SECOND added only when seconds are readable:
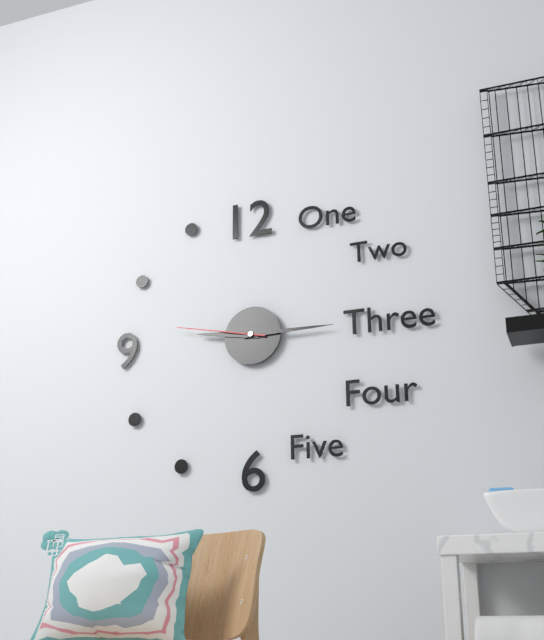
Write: h=9 m=15 s=47
